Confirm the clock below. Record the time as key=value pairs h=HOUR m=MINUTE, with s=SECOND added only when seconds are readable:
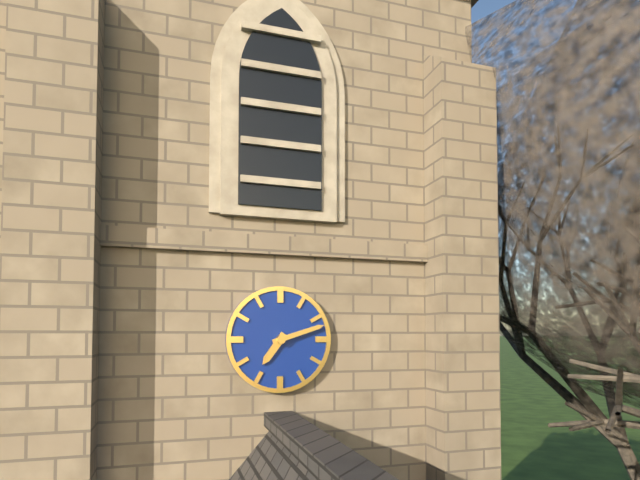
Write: h=7 m=12
